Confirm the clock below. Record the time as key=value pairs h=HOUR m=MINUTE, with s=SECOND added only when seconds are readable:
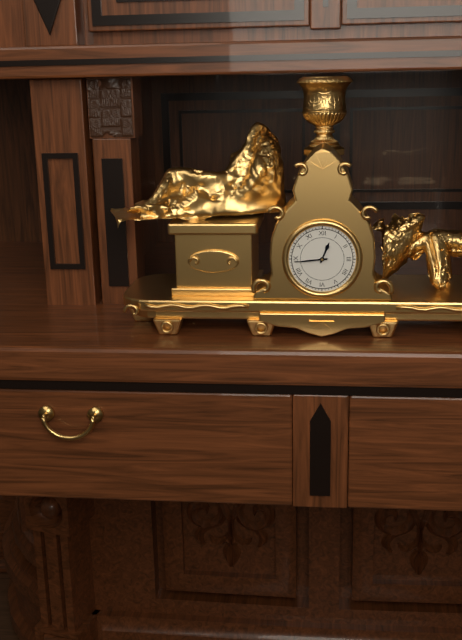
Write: h=12 m=44
